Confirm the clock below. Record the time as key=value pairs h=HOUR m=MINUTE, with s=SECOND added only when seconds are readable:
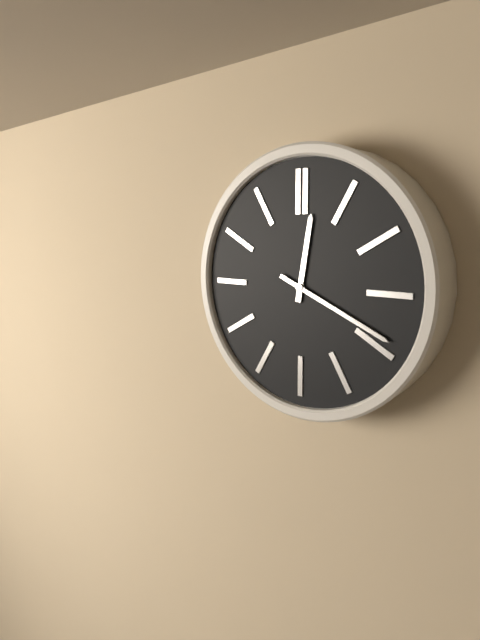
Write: h=12 m=19
